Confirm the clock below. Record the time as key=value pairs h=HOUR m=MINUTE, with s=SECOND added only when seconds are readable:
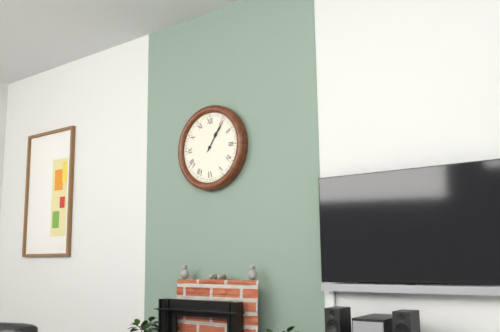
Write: h=1 m=6
